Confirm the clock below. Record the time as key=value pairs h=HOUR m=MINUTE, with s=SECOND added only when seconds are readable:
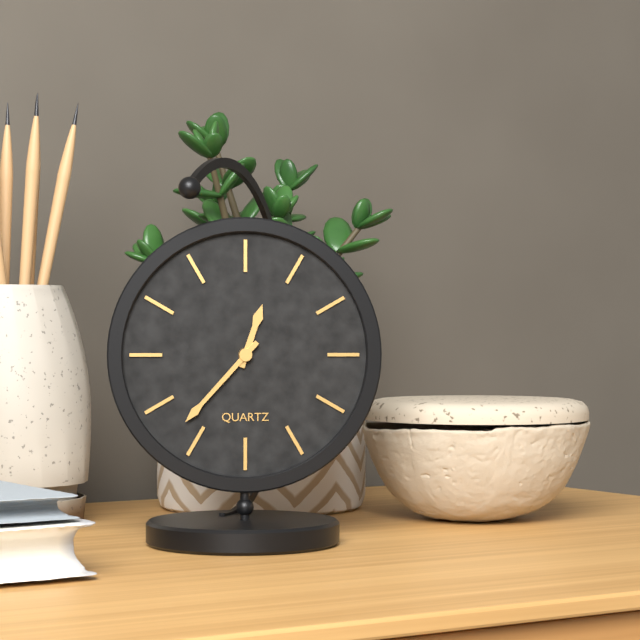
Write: h=12 m=37
